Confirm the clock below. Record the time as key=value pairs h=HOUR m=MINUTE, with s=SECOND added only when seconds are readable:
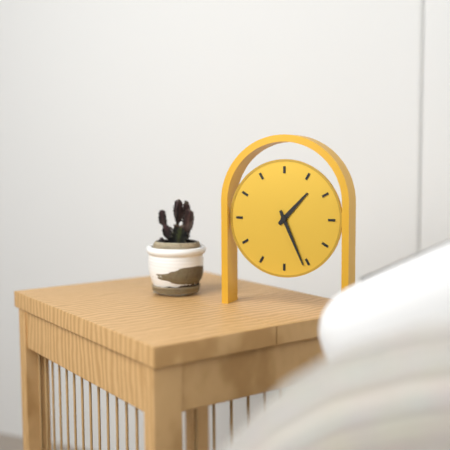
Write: h=1 m=26
